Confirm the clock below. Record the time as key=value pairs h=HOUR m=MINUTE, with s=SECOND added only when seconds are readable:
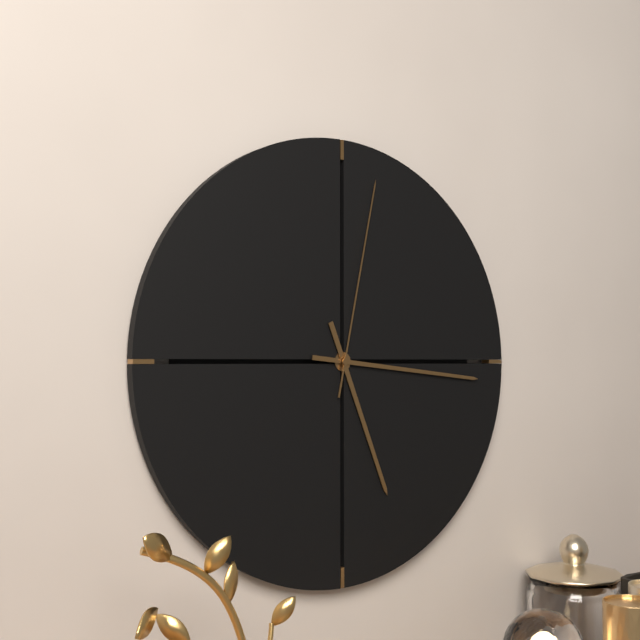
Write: h=5 m=16 s=2
